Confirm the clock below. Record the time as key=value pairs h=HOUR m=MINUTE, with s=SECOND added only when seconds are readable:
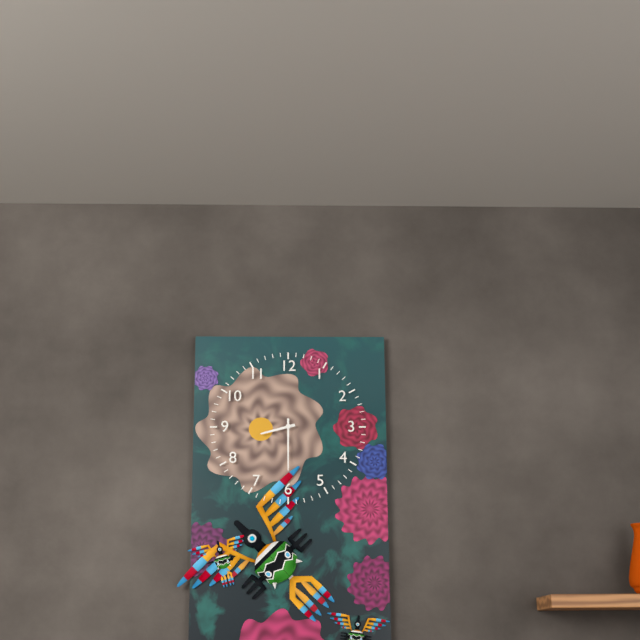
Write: h=8 m=30
